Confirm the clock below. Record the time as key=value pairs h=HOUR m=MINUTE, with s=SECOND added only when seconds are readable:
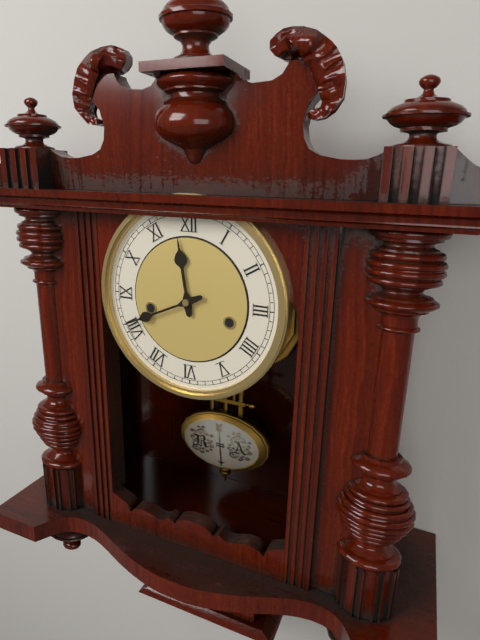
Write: h=11 m=41
